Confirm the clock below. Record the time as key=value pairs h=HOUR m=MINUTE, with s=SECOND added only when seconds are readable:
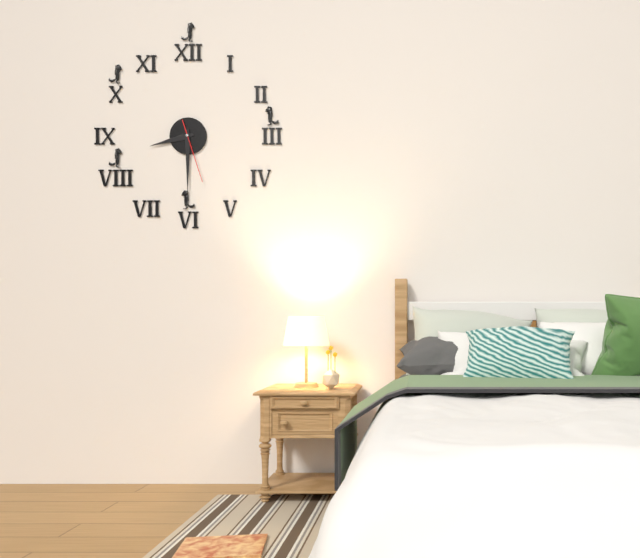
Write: h=8 m=30 s=27
